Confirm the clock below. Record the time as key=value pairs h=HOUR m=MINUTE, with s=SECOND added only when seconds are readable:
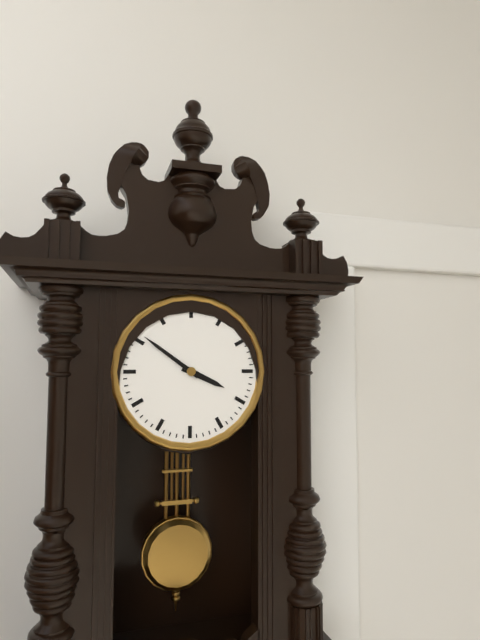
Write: h=3 m=51
